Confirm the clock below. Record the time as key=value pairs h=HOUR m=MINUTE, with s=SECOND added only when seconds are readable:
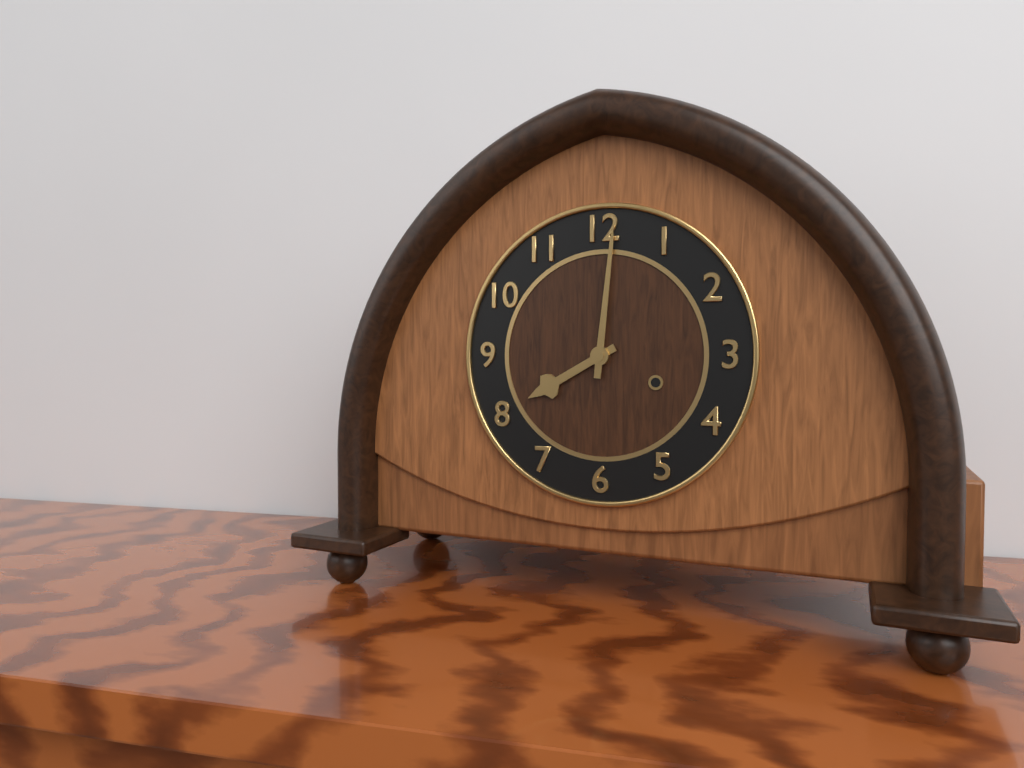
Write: h=8 m=1
